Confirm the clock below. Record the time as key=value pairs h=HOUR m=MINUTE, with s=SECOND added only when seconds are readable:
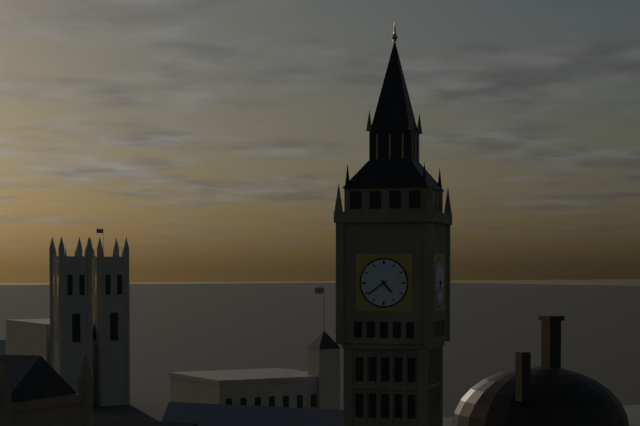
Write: h=4 m=39
